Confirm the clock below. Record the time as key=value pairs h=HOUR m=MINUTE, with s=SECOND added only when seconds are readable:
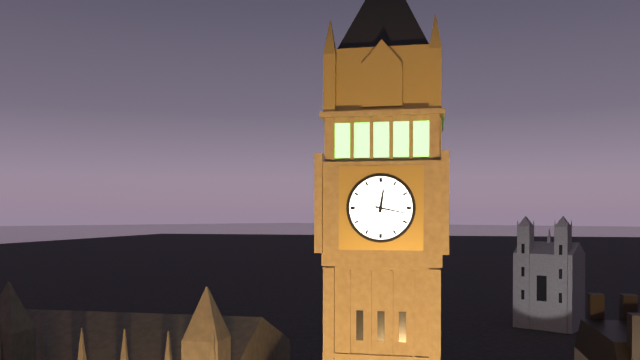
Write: h=12 m=17
